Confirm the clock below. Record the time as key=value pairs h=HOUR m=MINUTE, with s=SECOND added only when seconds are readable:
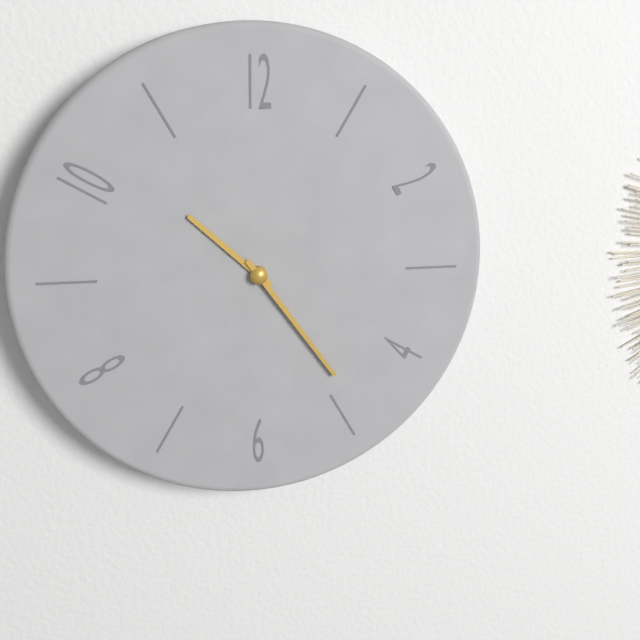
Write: h=10 m=24
